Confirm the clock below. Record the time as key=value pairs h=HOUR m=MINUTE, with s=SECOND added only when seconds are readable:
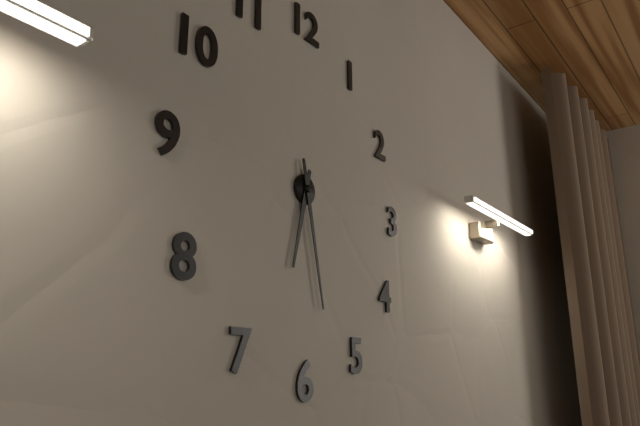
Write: h=6 m=28
